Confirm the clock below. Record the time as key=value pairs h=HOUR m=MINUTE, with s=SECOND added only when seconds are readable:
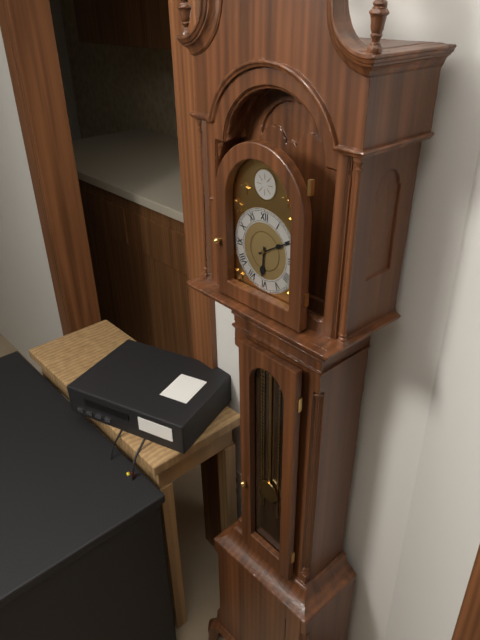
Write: h=6 m=10
